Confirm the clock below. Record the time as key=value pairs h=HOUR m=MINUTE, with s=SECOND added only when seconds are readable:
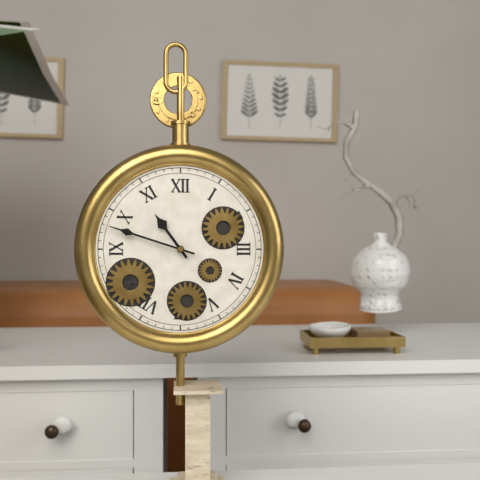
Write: h=10 m=48
